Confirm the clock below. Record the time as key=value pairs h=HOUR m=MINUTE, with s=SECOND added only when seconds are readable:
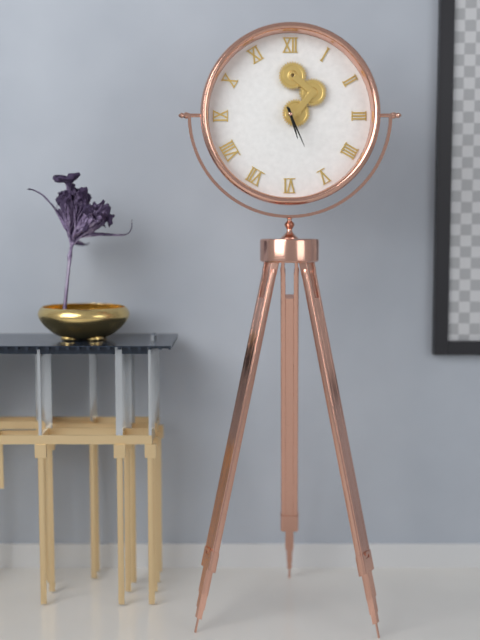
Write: h=5 m=26
